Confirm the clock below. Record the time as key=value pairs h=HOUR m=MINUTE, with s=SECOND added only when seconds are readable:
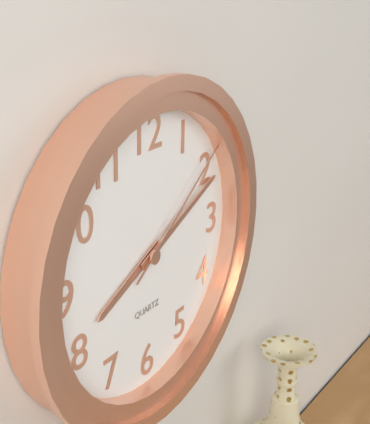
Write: h=8 m=11 s=9
